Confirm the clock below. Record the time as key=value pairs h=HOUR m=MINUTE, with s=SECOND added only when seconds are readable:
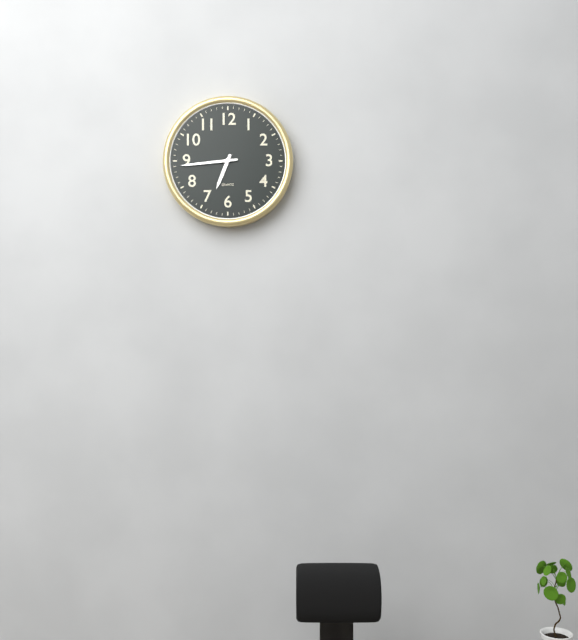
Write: h=6 m=44
